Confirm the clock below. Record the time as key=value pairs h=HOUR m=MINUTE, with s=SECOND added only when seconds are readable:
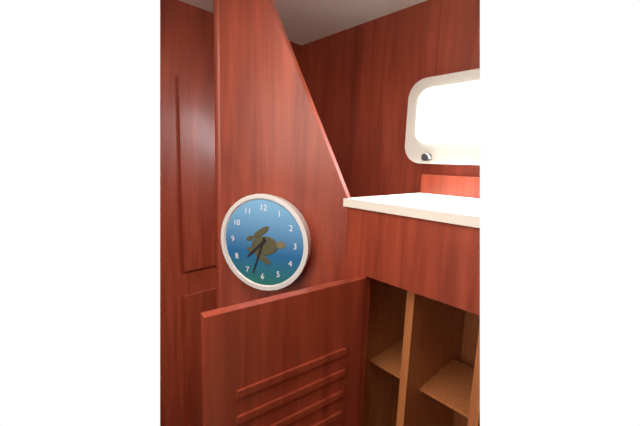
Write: h=7 m=33
